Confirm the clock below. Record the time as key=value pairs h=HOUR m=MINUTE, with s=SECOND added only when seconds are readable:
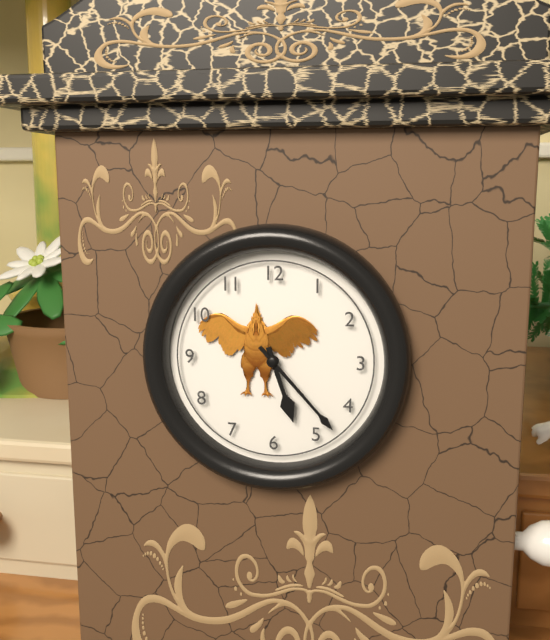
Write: h=5 m=23
